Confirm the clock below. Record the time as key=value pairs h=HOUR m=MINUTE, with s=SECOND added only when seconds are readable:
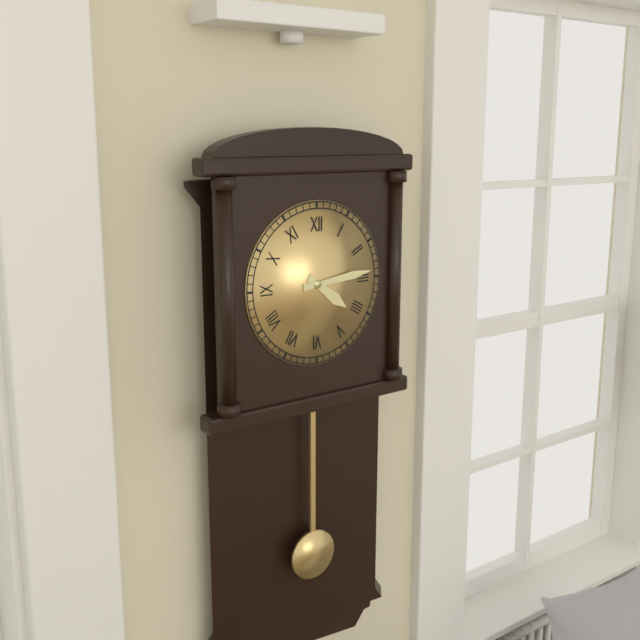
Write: h=4 m=14
